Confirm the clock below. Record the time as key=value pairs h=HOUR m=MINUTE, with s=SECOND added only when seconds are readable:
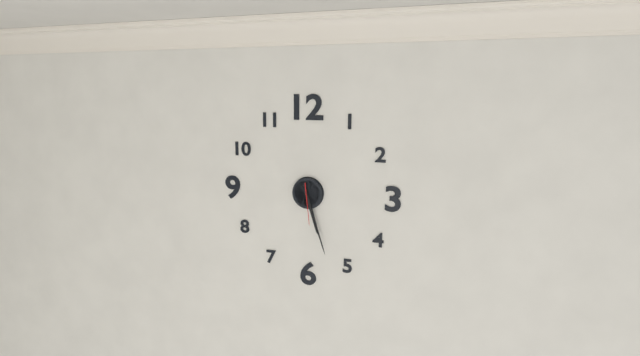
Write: h=5 m=27
